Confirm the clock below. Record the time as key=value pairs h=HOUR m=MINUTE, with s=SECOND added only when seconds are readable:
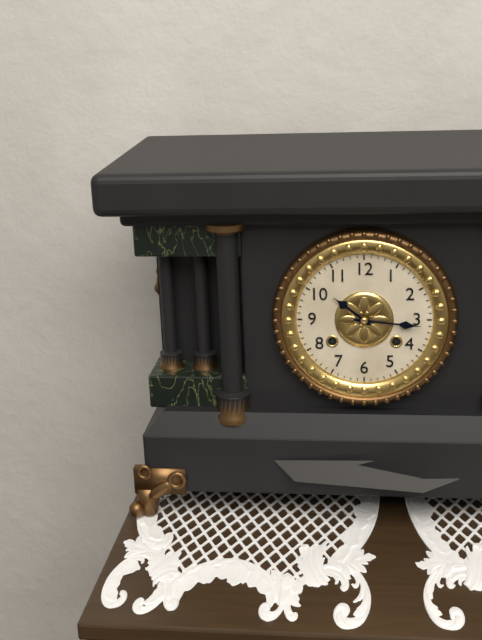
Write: h=10 m=16
